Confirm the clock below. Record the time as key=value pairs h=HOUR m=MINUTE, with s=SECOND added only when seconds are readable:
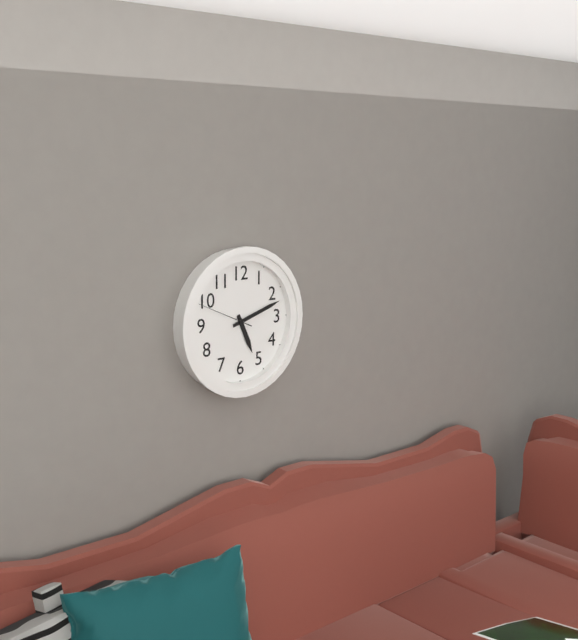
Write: h=5 m=12 s=49
